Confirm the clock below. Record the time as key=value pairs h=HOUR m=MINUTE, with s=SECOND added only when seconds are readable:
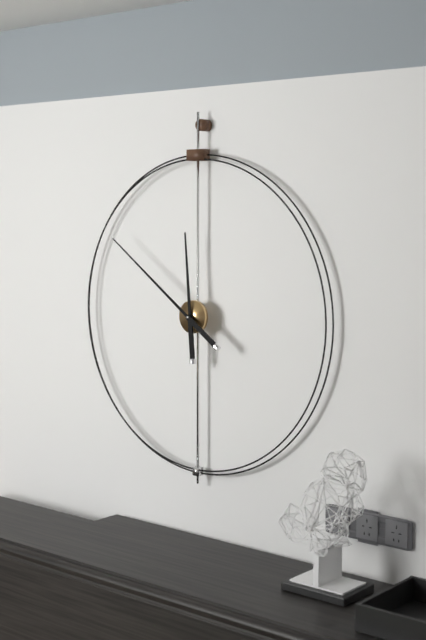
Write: h=11 m=51
